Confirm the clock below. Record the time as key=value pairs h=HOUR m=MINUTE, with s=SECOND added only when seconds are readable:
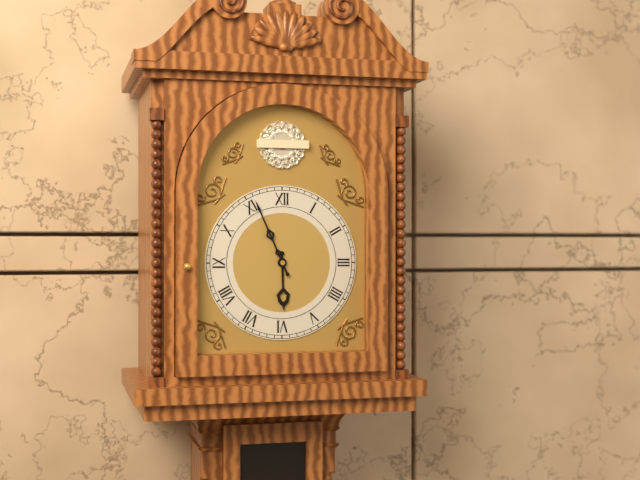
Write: h=5 m=56
